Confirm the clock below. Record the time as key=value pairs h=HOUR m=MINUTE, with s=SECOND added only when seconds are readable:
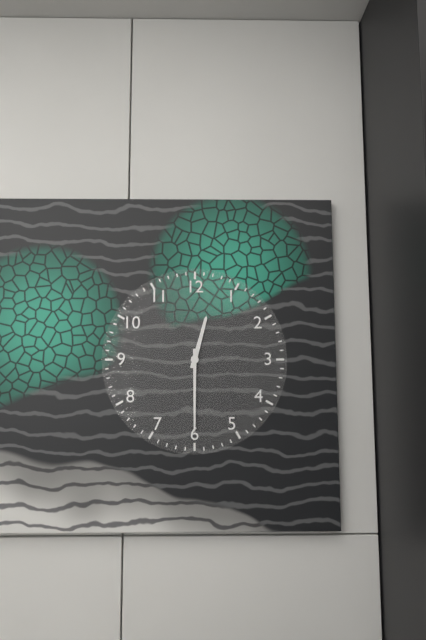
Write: h=12 m=30
